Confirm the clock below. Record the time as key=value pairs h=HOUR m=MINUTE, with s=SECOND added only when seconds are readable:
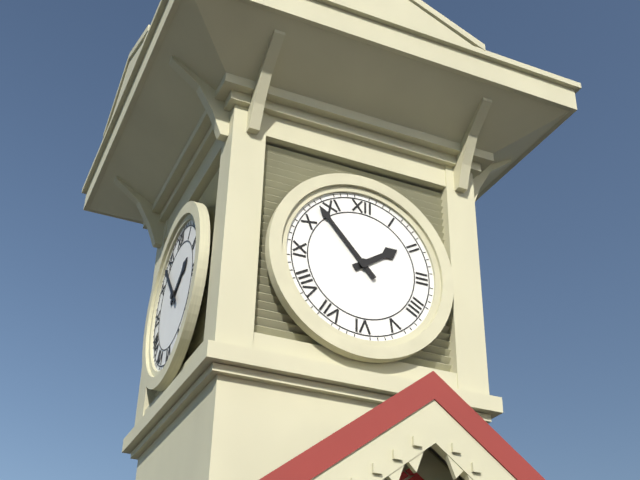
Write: h=1 m=53
